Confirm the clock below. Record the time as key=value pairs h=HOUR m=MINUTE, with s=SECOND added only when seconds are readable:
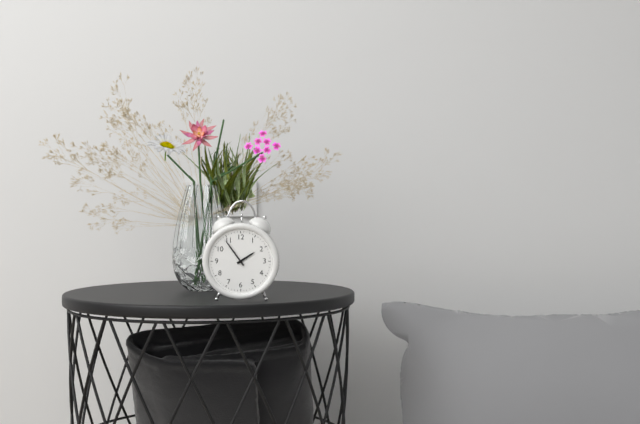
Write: h=1 m=54
